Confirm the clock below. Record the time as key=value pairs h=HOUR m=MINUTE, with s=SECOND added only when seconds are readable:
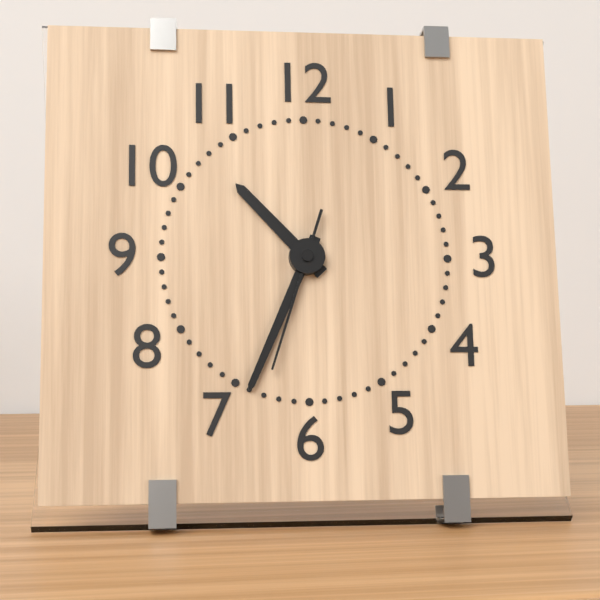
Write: h=10 m=34 s=33
